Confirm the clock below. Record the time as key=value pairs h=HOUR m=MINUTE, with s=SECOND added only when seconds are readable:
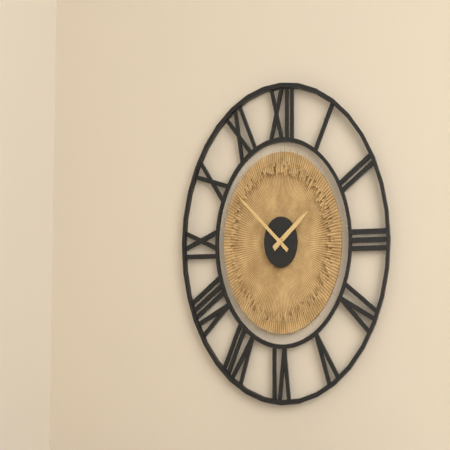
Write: h=1 m=51
